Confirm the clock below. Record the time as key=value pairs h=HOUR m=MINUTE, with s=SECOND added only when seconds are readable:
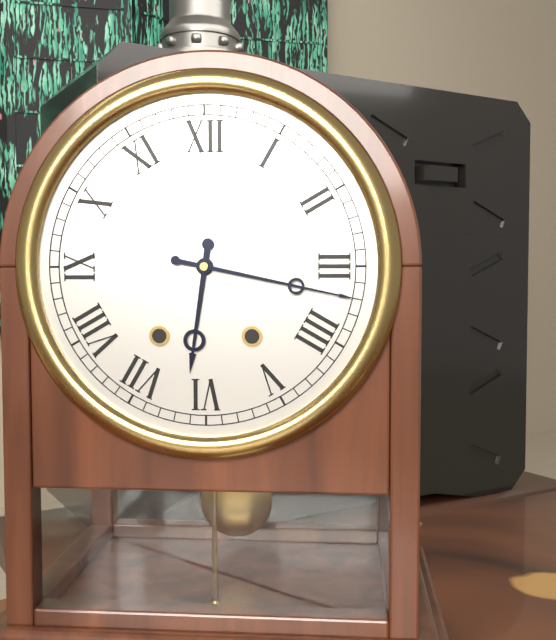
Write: h=6 m=17
